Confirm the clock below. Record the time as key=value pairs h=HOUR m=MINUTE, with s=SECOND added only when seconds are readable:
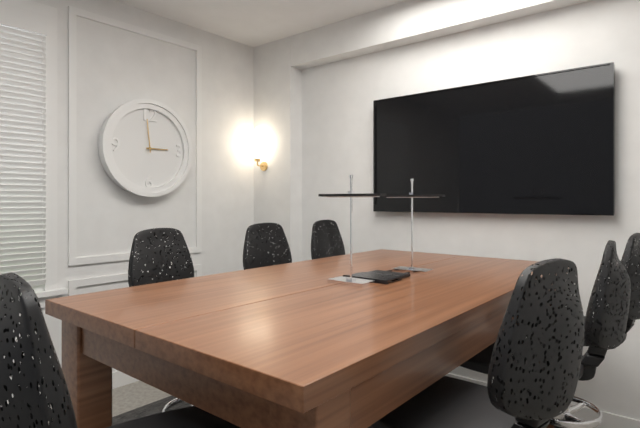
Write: h=2 m=59
